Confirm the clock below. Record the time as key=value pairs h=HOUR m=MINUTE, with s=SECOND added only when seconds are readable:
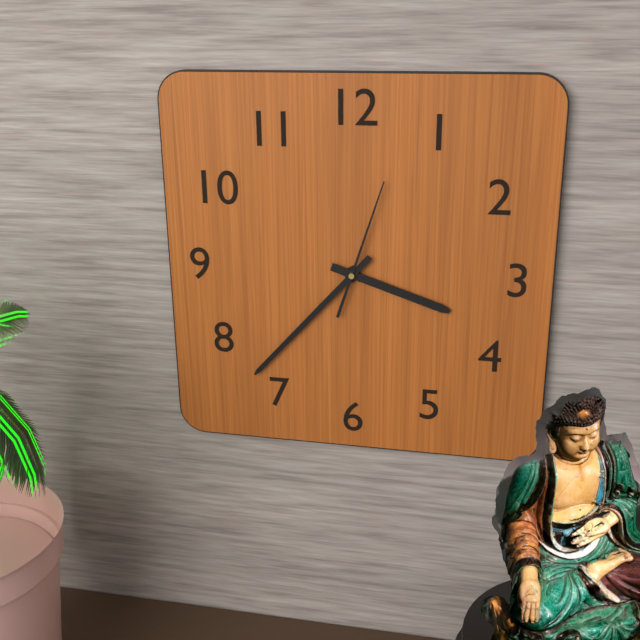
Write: h=3 m=37 s=3
